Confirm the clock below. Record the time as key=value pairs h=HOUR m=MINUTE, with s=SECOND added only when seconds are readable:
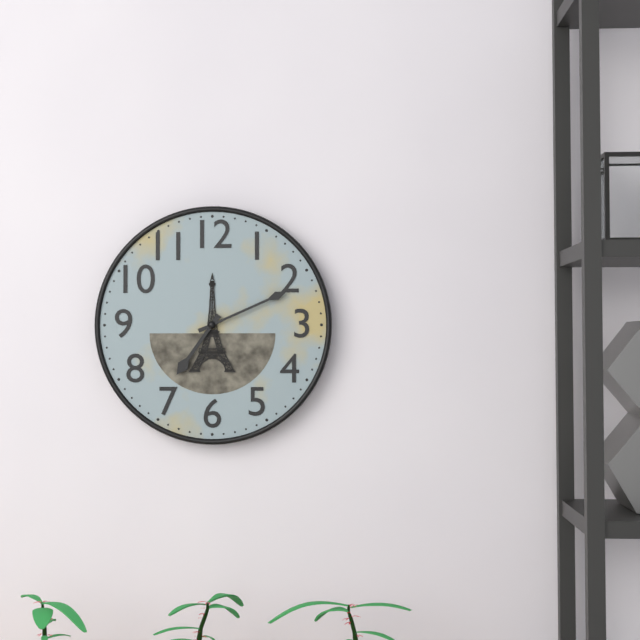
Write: h=7 m=11
